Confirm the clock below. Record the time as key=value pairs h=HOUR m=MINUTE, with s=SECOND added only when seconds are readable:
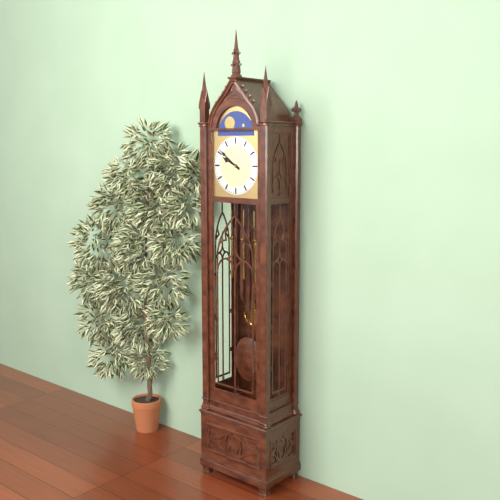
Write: h=9 m=51
